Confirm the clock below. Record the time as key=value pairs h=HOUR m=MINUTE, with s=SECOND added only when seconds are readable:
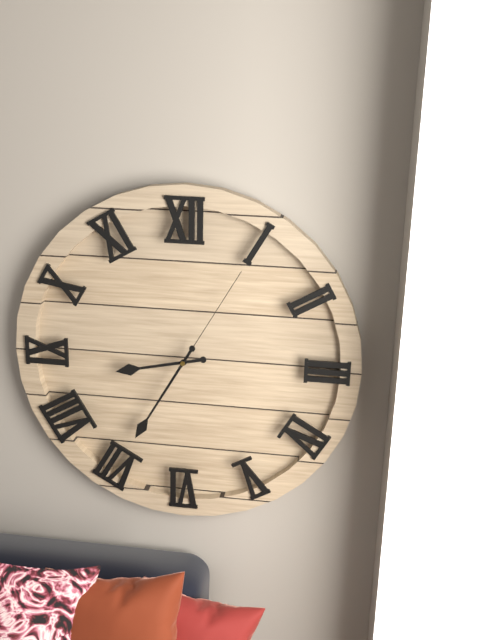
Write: h=8 m=35 s=5
